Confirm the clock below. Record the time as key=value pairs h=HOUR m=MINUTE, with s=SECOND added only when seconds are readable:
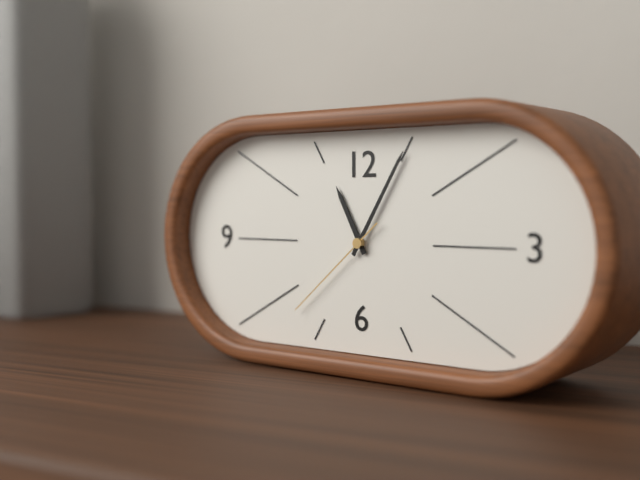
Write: h=11 m=5 s=38
